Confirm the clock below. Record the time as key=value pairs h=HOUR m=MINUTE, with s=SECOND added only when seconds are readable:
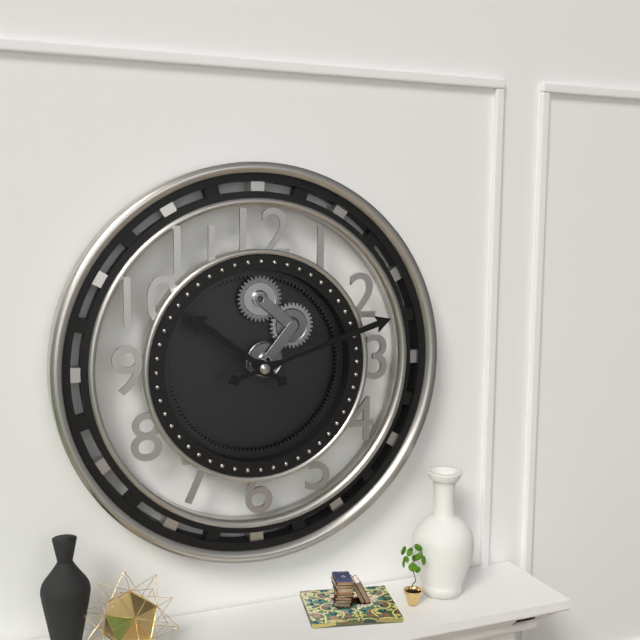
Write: h=10 m=12
